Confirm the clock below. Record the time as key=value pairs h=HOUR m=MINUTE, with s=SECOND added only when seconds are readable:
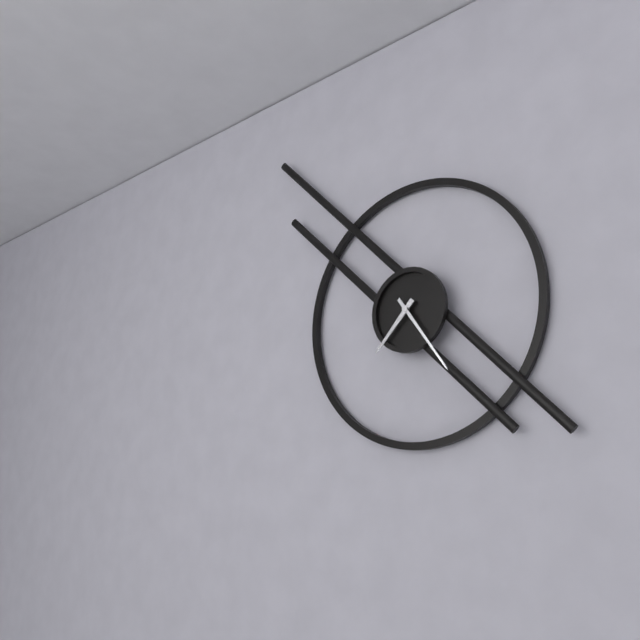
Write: h=7 m=24
